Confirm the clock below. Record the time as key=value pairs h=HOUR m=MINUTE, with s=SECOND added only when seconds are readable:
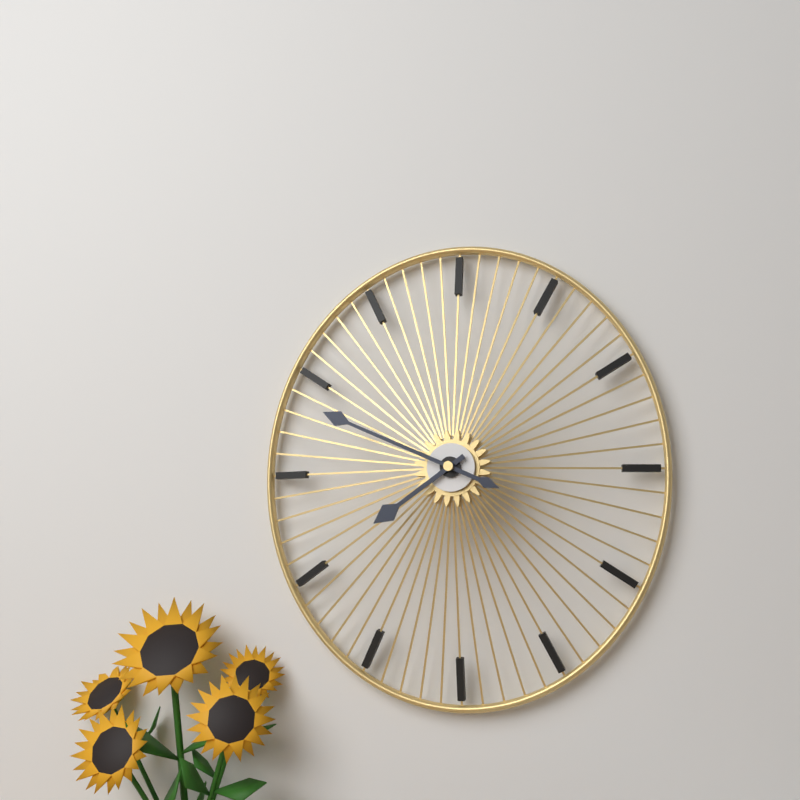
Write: h=7 m=49
